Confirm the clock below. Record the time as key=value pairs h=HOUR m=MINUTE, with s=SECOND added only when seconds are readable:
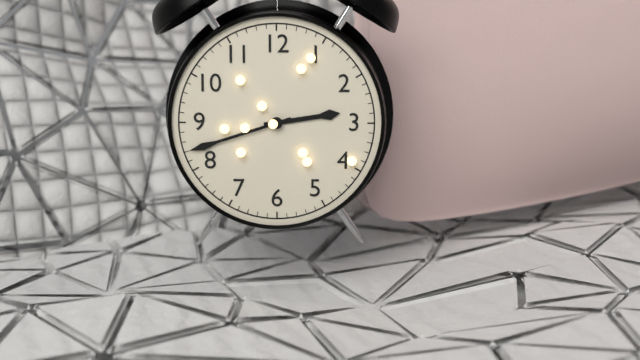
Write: h=2 m=42
